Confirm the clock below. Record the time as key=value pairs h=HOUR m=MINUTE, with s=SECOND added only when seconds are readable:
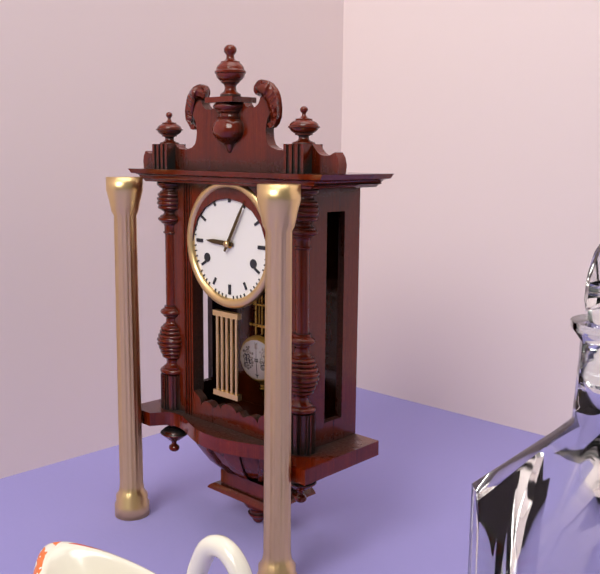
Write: h=9 m=5
